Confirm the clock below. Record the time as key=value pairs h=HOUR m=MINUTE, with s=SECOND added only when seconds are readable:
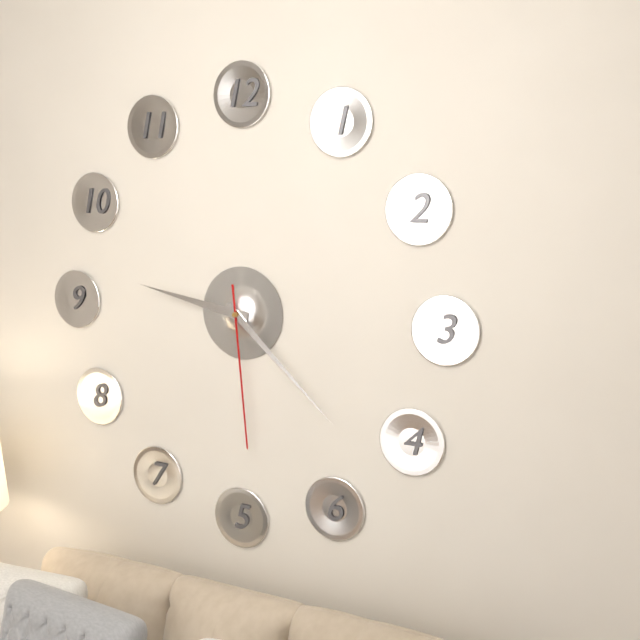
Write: h=9 m=22 s=29
